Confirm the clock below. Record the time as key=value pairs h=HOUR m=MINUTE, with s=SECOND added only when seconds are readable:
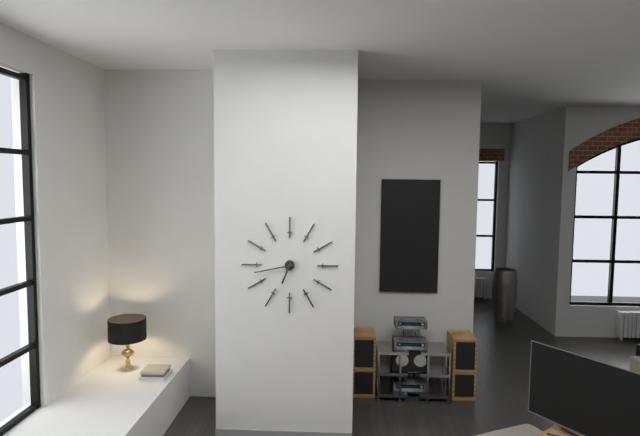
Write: h=6 m=43
